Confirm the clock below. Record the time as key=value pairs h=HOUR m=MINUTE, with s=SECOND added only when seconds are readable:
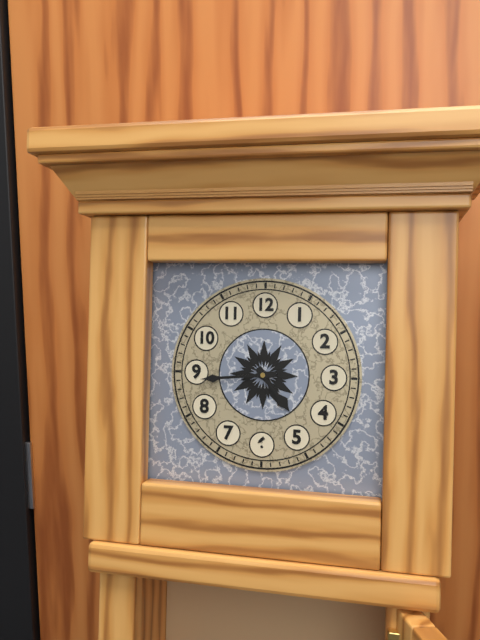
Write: h=4 m=44
